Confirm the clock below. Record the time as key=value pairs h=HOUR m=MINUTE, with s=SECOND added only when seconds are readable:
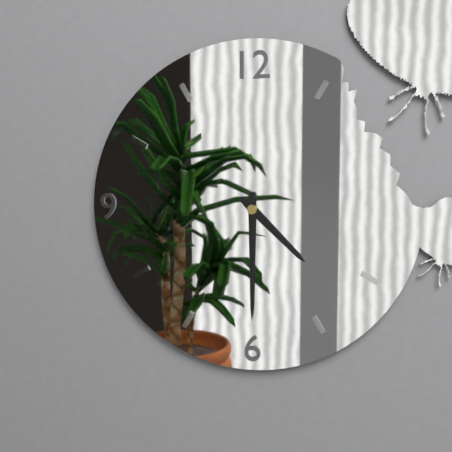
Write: h=4 m=30
